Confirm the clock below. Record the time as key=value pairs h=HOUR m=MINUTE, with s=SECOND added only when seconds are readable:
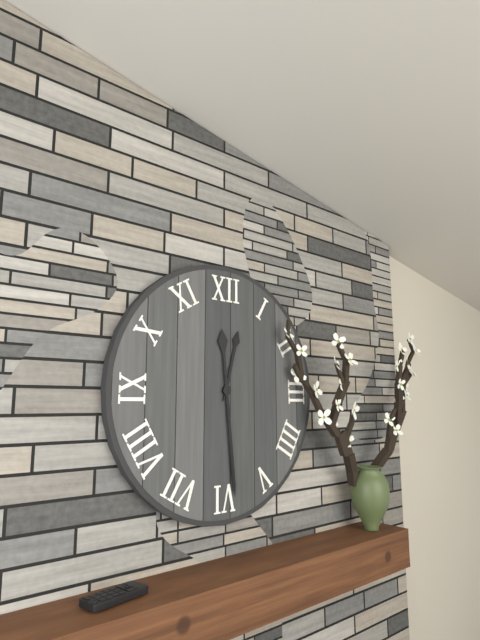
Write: h=12 m=29
